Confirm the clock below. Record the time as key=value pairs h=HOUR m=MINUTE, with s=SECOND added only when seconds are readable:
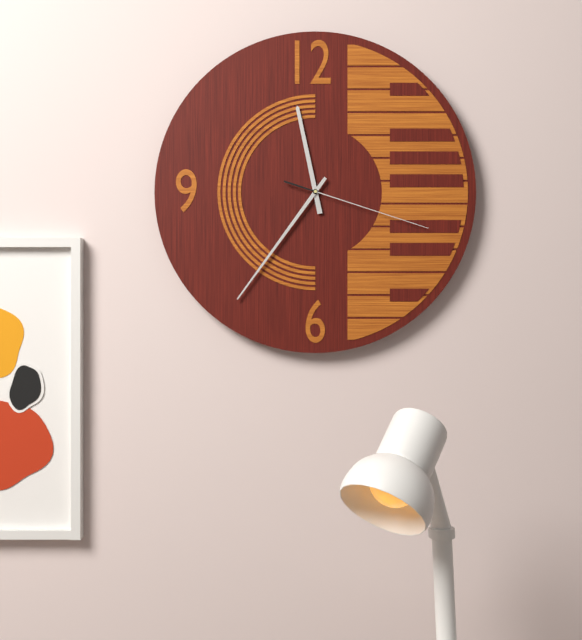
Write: h=11 m=36 s=18
